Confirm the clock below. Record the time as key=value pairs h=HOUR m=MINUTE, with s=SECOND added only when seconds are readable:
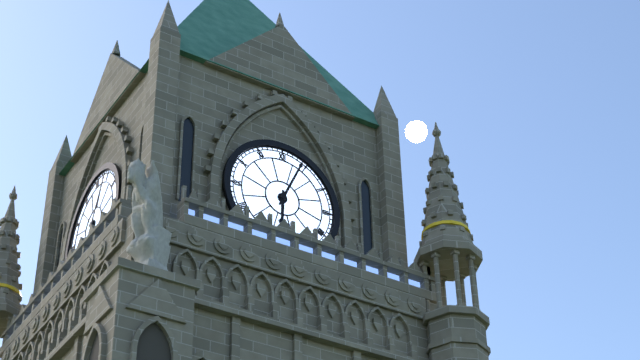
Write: h=6 m=4
